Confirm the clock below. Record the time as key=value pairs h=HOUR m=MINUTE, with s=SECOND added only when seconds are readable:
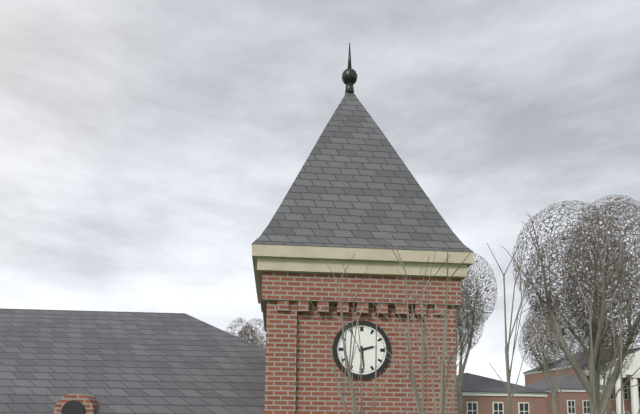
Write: h=2 m=29
